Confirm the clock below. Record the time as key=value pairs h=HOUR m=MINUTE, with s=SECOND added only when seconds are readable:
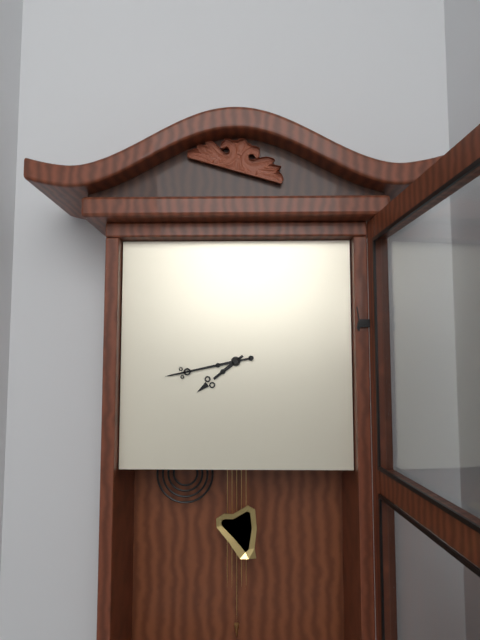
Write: h=7 m=43
